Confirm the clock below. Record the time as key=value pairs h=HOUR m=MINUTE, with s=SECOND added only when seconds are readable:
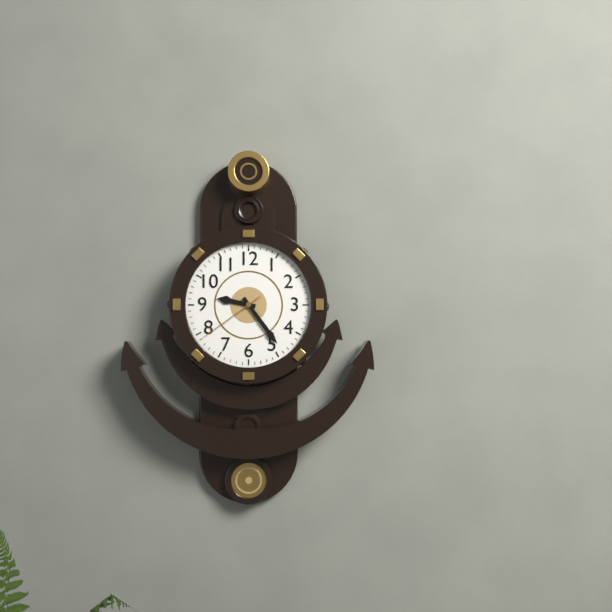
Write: h=9 m=24 s=39
